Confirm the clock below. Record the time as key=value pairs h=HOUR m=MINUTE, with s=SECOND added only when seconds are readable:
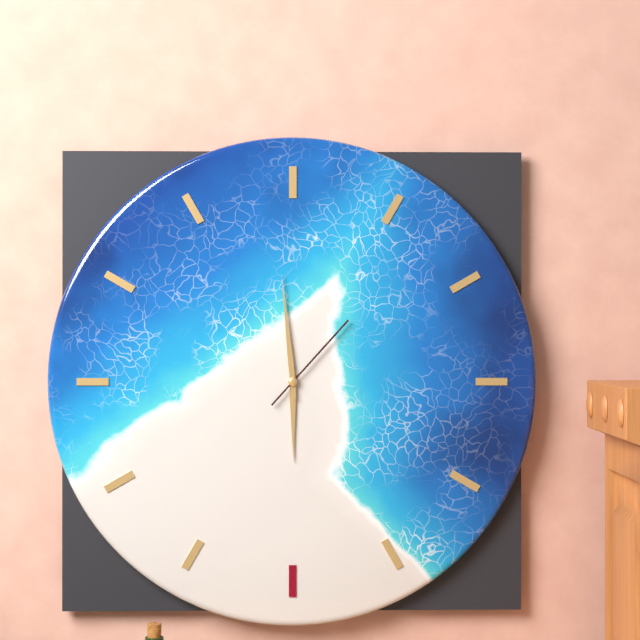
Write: h=5 m=59 s=7
